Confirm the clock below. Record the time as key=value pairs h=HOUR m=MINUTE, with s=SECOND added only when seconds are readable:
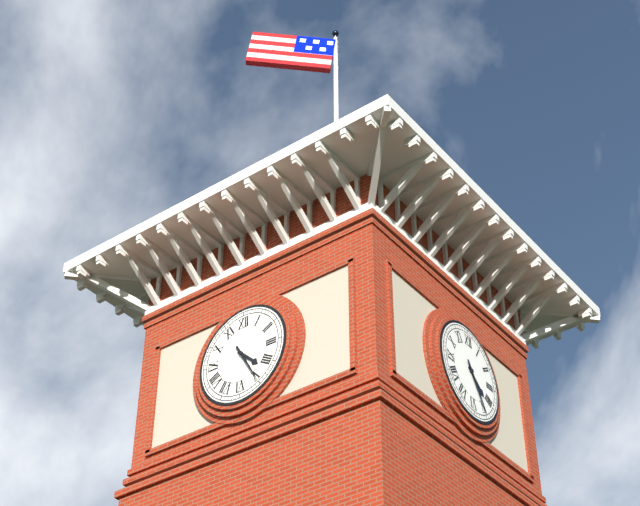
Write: h=4 m=25
